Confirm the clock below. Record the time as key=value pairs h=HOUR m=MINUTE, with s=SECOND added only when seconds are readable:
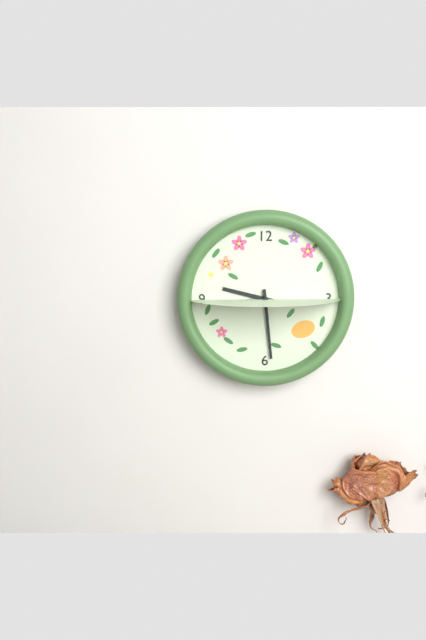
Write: h=9 m=29
